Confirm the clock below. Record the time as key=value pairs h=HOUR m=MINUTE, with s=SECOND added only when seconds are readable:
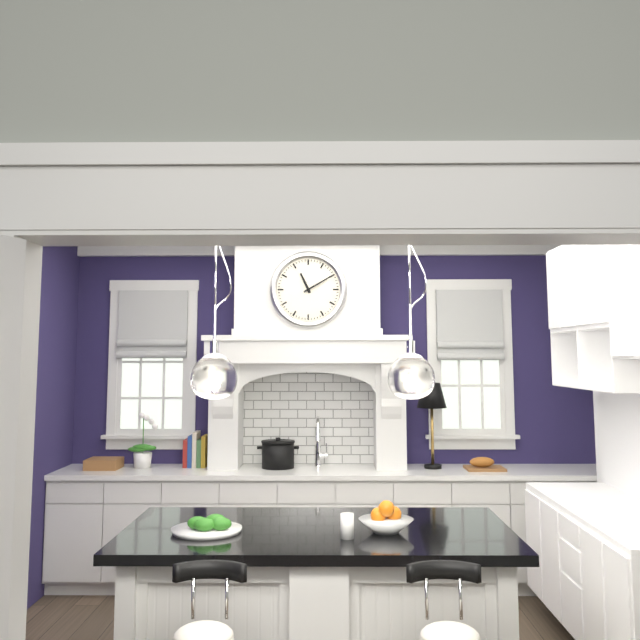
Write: h=11 m=10
